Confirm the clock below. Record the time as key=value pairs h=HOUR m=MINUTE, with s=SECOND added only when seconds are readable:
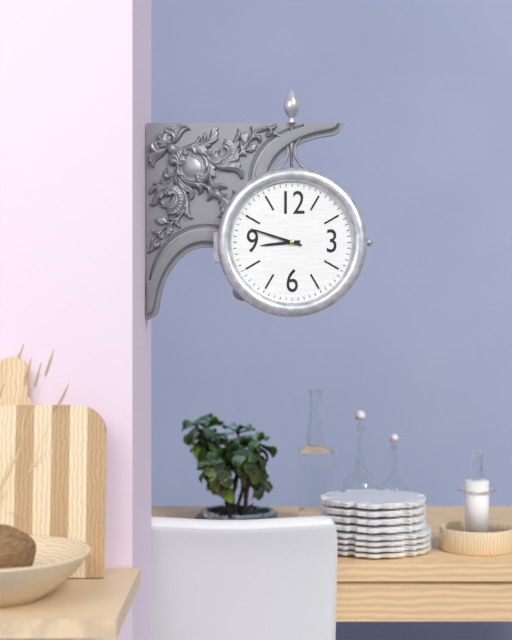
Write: h=8 m=48
